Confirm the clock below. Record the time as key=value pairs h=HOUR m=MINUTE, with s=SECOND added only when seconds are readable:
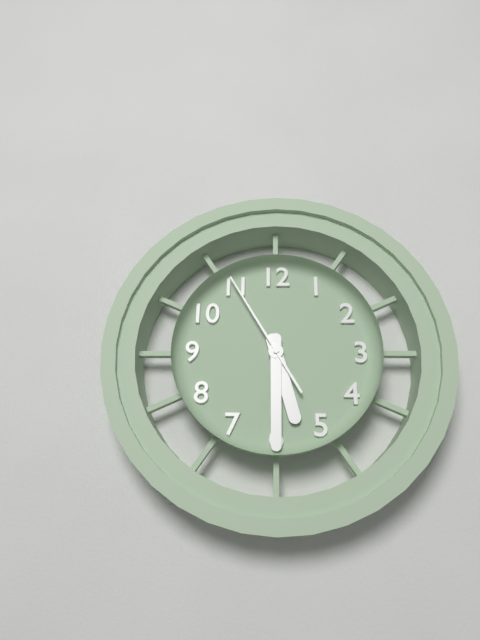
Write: h=5 m=30 s=55
